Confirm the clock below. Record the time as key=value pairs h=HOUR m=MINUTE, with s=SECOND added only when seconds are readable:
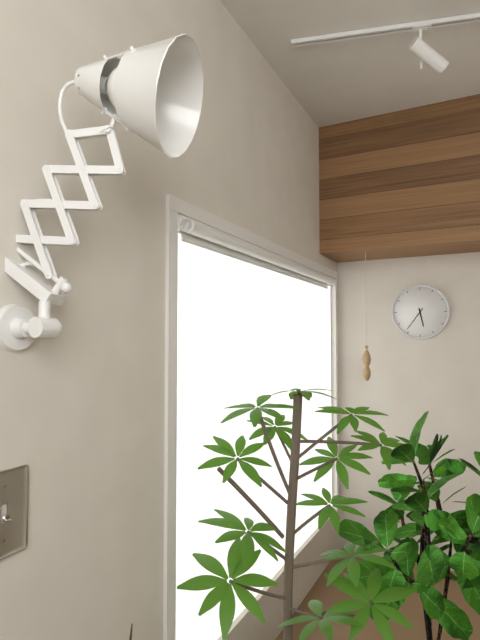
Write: h=5 m=36
